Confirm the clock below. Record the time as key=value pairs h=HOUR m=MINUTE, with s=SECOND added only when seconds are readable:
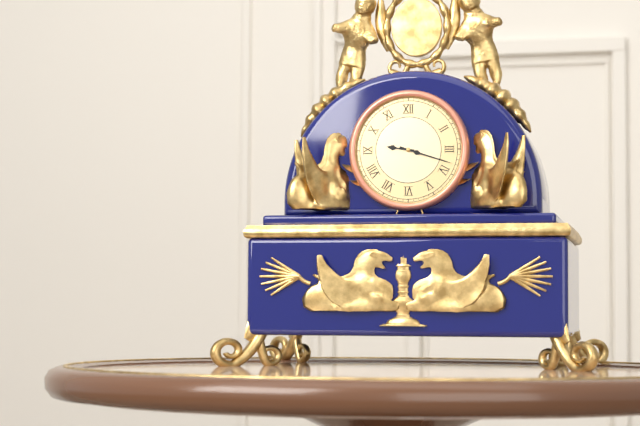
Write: h=9 m=18
